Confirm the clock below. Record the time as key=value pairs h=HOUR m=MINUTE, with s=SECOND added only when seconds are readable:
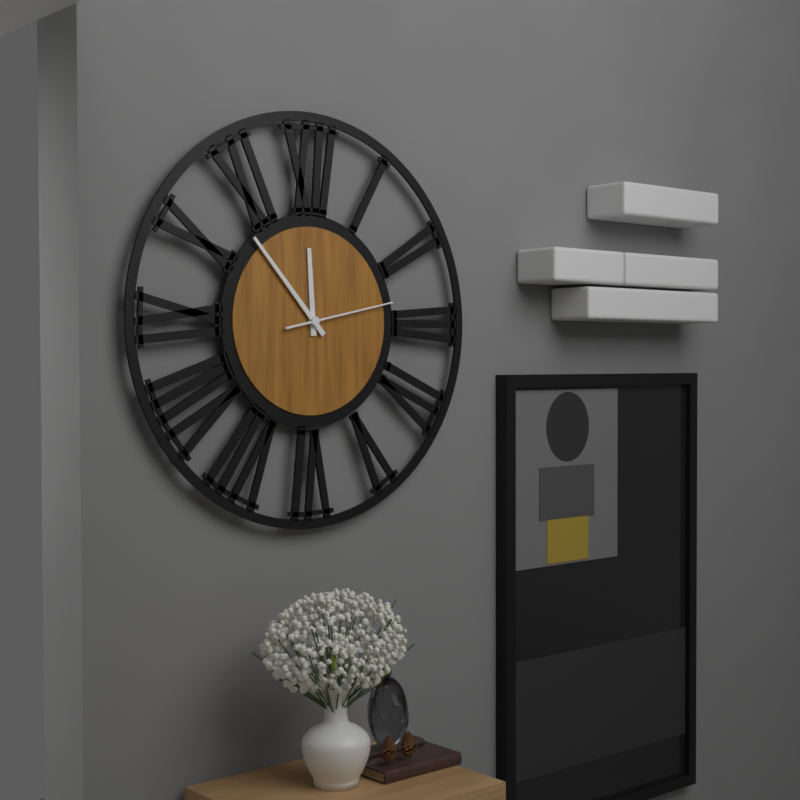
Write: h=11 m=53 s=13
